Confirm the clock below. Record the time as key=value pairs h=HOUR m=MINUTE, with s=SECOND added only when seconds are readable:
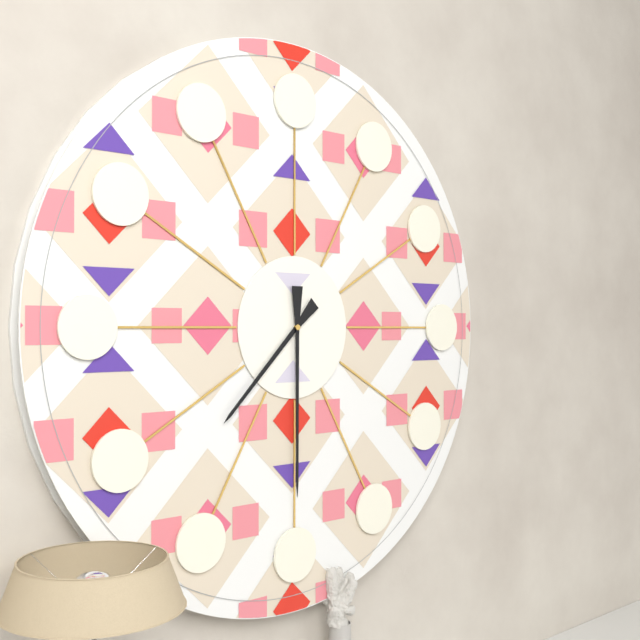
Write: h=7 m=30
